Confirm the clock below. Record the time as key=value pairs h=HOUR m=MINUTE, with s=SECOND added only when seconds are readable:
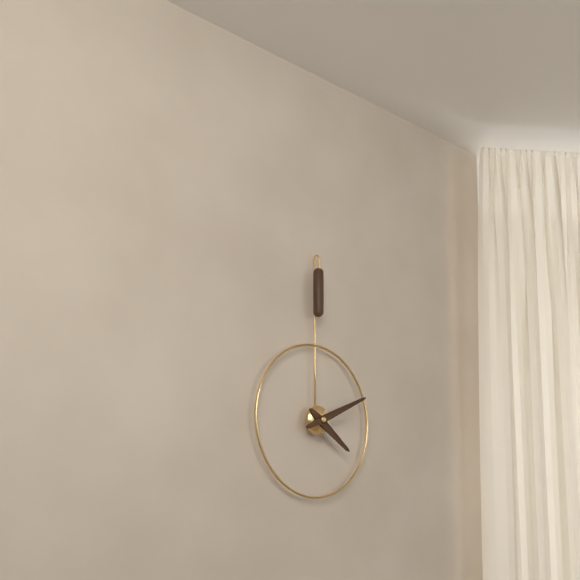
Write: h=4 m=11
